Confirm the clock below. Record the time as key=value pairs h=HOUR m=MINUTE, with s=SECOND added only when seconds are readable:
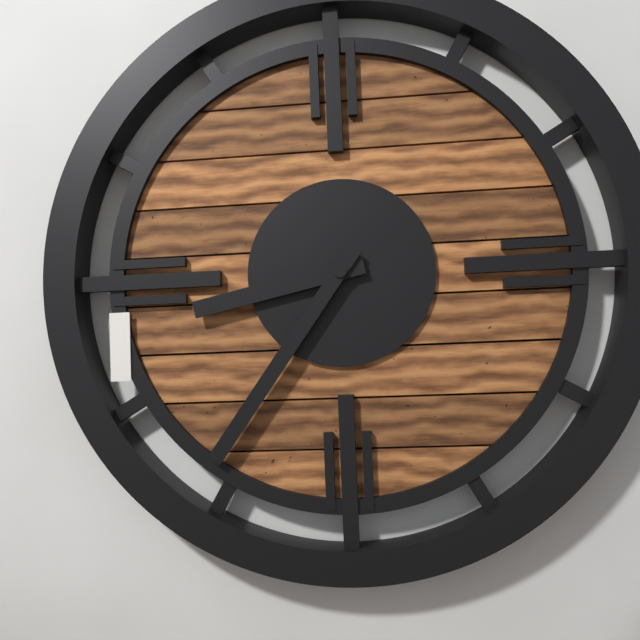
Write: h=8 m=36
